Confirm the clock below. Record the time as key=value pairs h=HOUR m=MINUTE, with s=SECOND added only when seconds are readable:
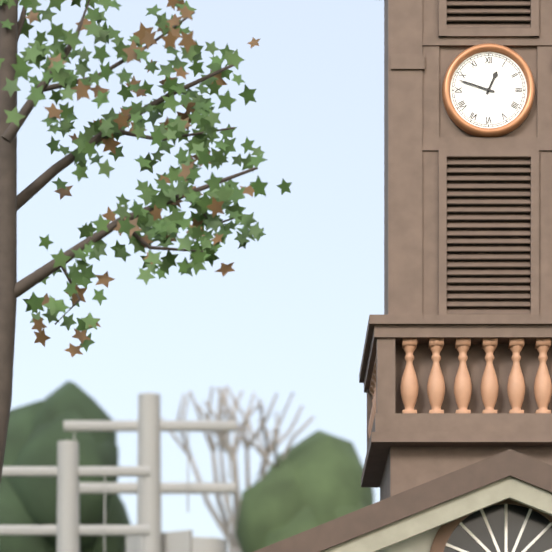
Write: h=12 m=48
